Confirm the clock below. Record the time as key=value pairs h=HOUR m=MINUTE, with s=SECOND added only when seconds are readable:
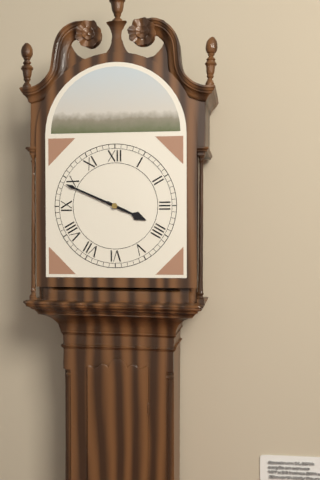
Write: h=3 m=49
